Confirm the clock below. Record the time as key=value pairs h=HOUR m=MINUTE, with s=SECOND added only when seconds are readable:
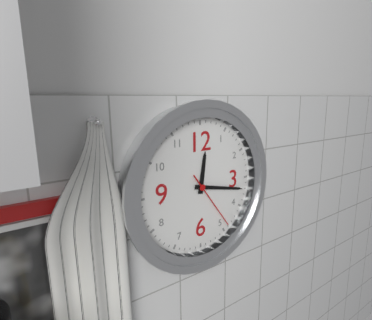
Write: h=12 m=17 s=24
